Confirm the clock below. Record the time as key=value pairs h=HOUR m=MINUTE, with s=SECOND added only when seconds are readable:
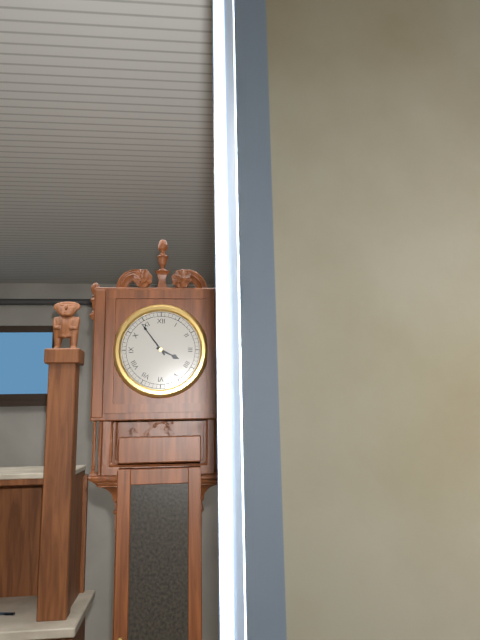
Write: h=3 m=54
